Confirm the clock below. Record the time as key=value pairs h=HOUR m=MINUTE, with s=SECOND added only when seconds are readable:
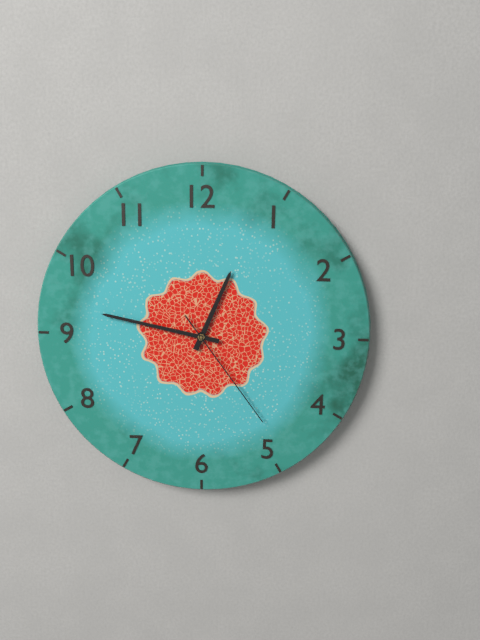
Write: h=12 m=47 s=24
